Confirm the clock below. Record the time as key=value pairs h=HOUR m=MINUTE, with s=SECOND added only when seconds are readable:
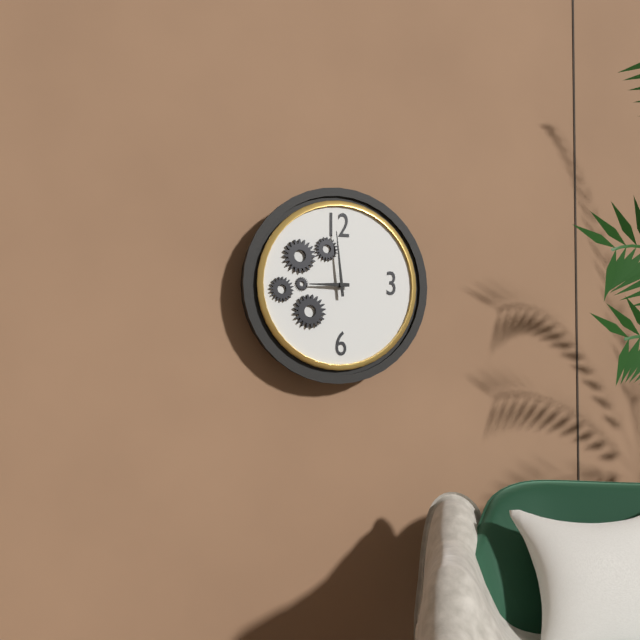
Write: h=8 m=59
